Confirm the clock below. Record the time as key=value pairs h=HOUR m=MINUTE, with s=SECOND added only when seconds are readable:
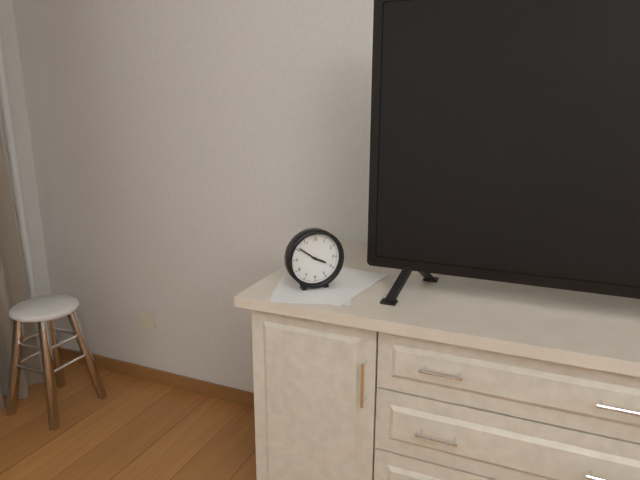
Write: h=3 m=51
